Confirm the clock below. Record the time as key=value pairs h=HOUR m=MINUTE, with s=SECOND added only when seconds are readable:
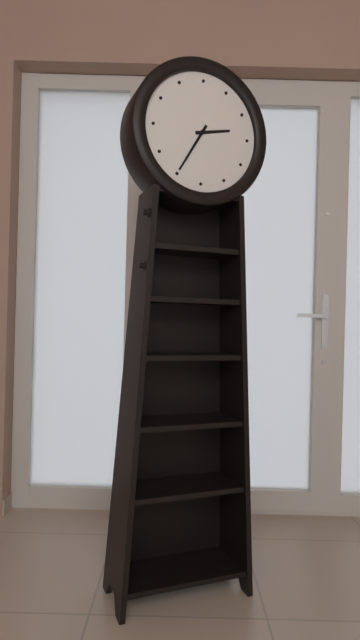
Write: h=2 m=35
